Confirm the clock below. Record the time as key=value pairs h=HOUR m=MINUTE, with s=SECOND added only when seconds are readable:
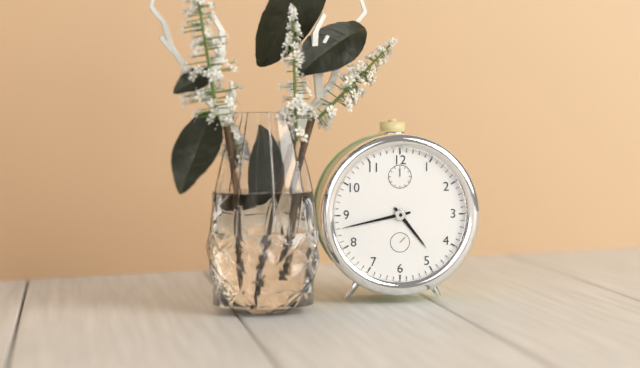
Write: h=4 m=43
